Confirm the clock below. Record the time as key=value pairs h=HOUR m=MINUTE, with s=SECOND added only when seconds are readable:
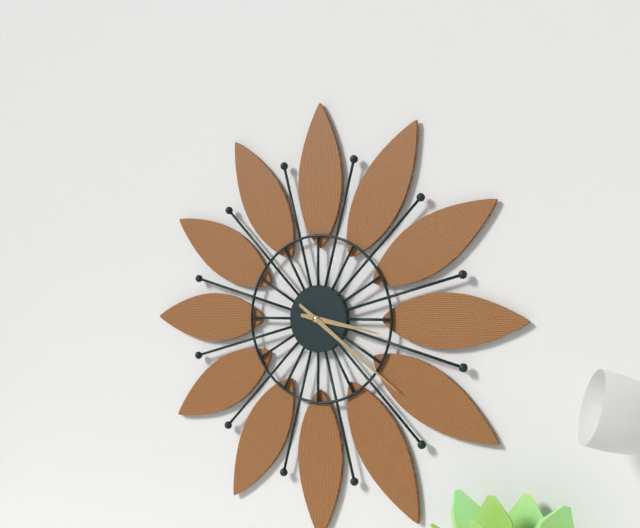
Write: h=3 m=21
